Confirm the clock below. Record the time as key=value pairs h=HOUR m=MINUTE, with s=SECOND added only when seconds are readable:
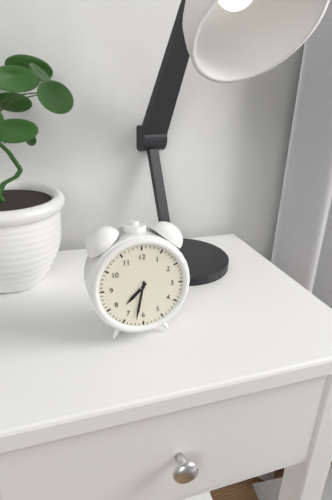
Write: h=7 m=32
